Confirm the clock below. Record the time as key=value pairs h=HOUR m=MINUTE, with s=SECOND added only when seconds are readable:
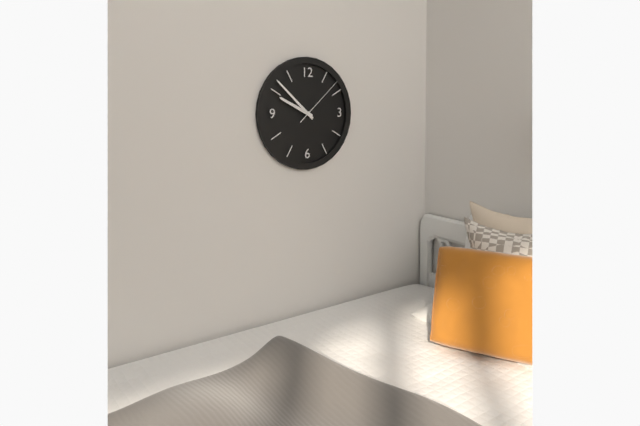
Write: h=9 m=52 s=8
